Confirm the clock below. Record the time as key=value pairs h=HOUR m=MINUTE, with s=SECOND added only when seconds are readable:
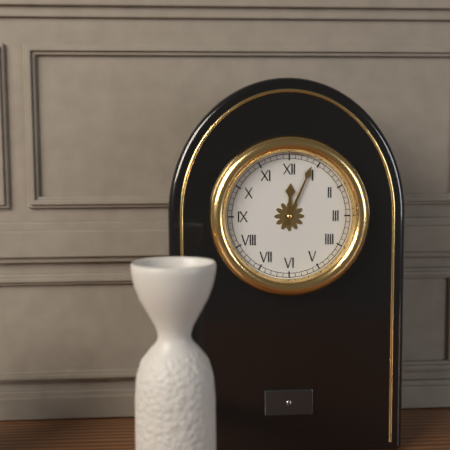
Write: h=12 m=4
